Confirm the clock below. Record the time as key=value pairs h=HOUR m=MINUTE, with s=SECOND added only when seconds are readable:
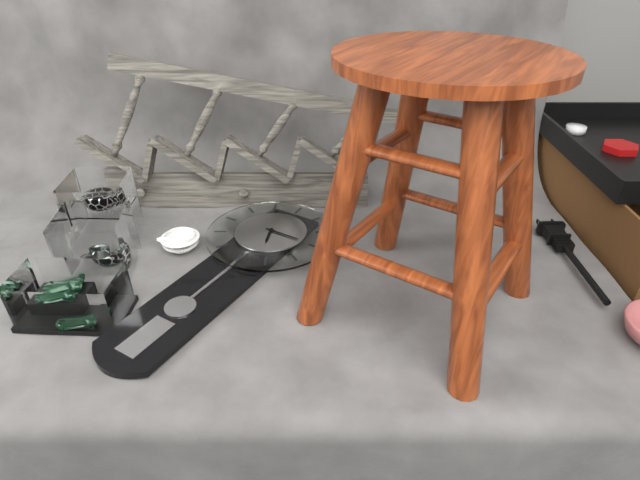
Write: h=5 m=15
